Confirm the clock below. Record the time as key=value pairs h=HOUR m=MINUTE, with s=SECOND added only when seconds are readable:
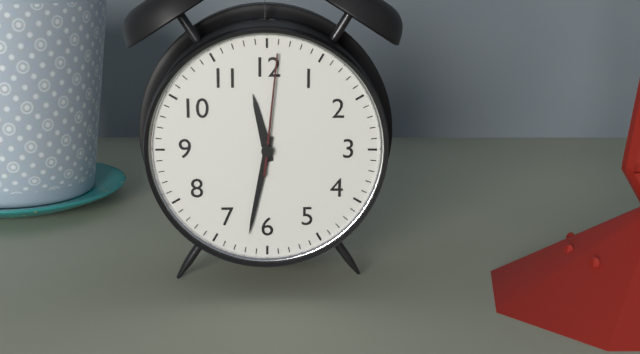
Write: h=11 m=32 s=1
